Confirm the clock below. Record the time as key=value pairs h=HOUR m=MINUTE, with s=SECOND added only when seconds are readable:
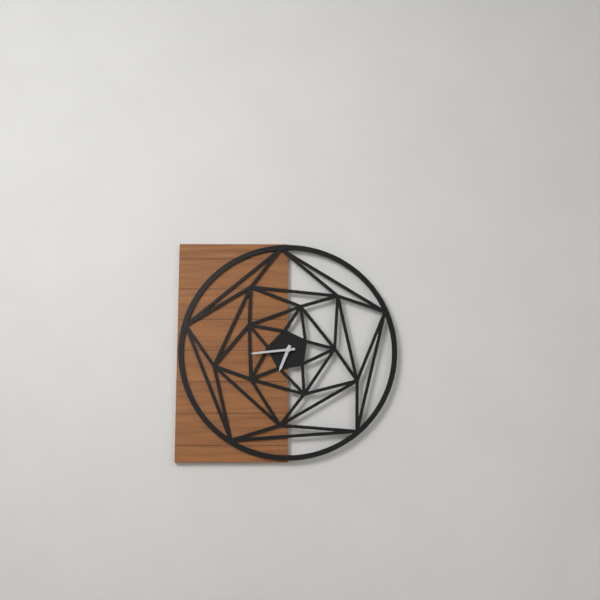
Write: h=6 m=44
